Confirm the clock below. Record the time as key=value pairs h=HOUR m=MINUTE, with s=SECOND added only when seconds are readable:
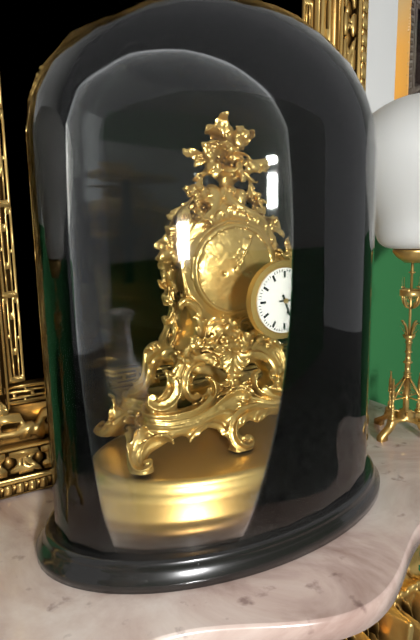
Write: h=5 m=15
